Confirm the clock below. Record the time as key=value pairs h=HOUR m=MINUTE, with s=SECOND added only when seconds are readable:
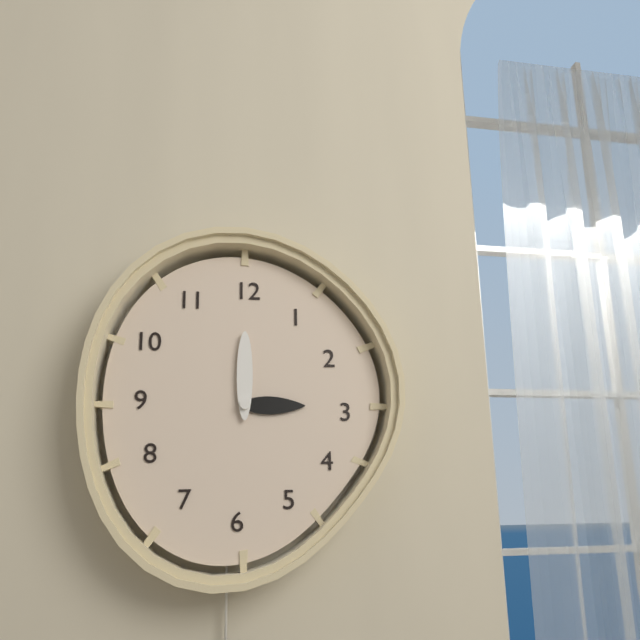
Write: h=3 m=0
